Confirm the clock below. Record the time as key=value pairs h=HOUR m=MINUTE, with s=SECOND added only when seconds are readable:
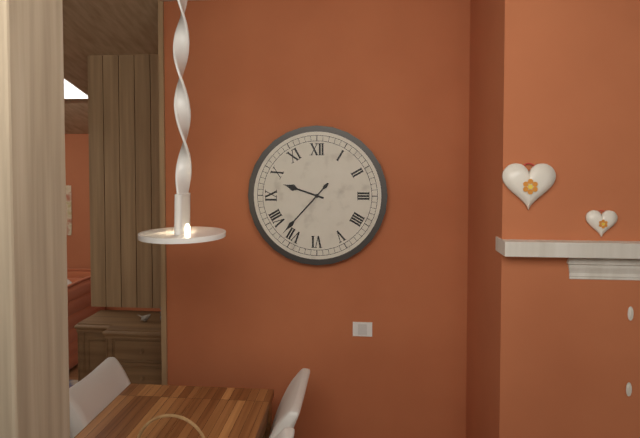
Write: h=9 m=37
